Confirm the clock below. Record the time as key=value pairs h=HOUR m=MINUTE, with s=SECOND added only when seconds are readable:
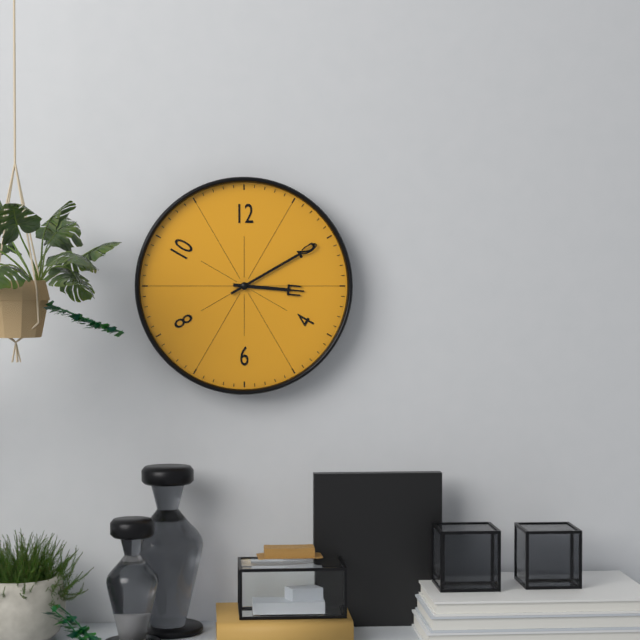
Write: h=3 m=10
